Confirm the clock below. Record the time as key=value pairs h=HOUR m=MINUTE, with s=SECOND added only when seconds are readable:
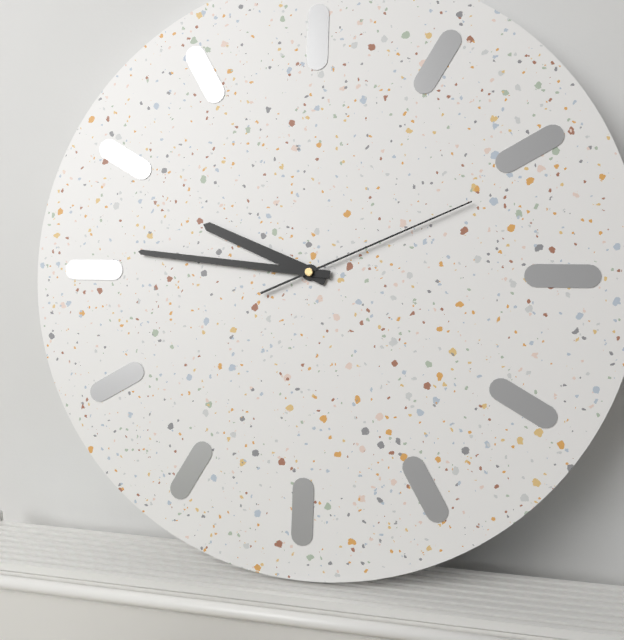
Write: h=9 m=46 s=11
